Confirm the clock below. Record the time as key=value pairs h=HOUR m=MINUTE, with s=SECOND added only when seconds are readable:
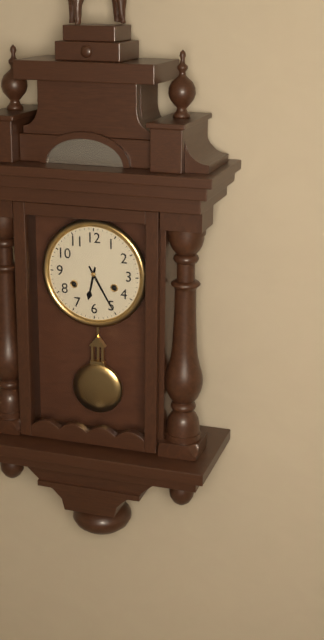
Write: h=6 m=25
